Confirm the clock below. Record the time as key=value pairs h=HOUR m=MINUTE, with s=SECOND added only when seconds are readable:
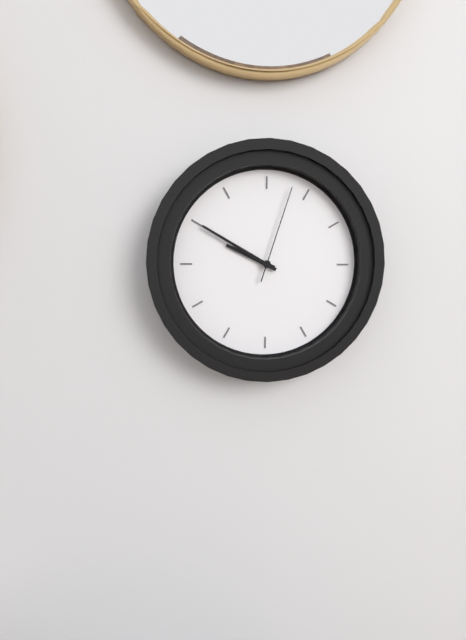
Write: h=9 m=50 s=3
